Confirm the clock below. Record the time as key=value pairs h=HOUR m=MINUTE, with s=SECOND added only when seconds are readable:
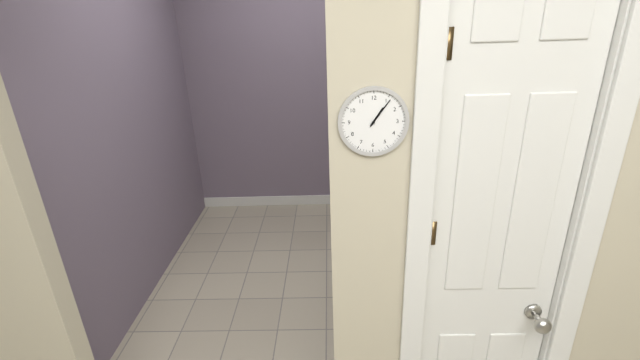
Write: h=1 m=6
